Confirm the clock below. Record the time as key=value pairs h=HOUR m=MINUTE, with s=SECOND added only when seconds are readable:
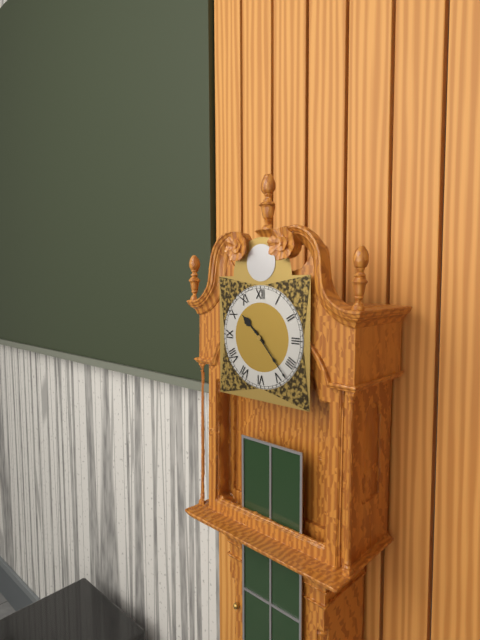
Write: h=10 m=23
